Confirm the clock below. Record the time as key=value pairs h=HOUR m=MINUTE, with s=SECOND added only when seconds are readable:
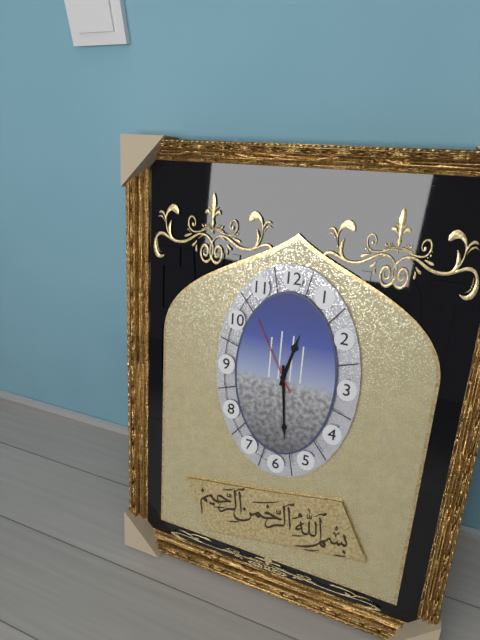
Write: h=12 m=29 s=55
